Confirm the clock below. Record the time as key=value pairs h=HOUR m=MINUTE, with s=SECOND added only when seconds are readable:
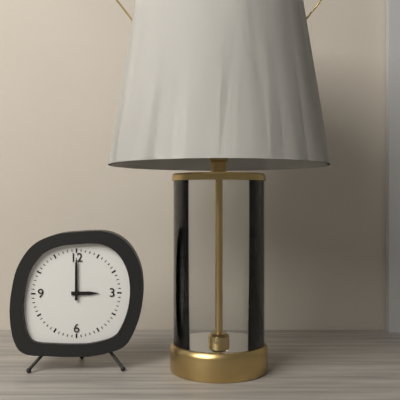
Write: h=3 m=0
